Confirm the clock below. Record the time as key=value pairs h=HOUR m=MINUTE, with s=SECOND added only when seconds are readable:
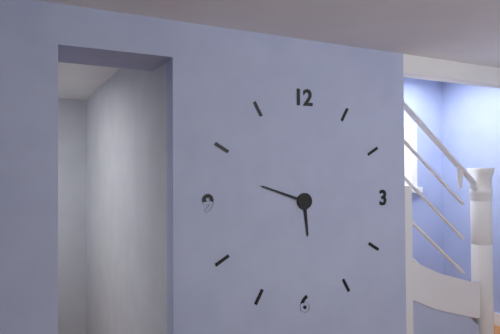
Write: h=5 m=48
